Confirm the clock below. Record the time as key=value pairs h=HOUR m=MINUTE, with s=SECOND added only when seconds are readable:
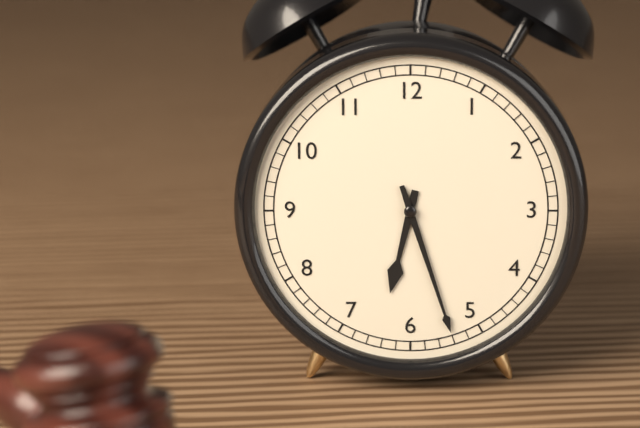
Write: h=6 m=27
